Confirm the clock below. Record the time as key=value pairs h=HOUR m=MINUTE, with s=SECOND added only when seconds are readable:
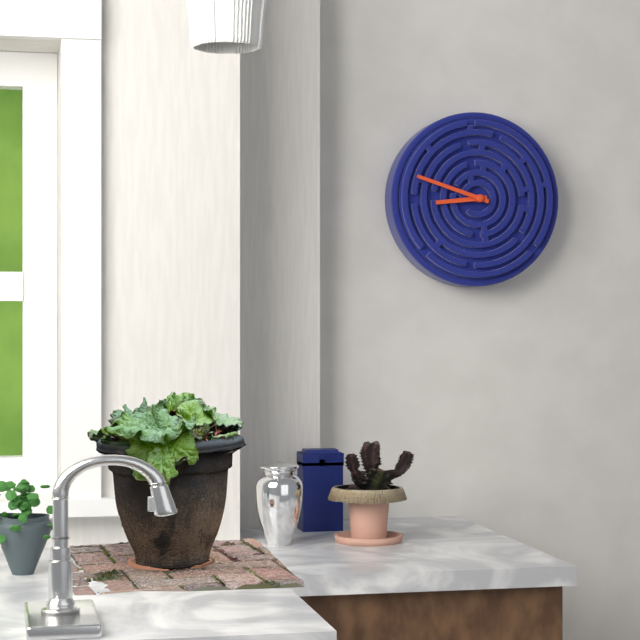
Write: h=8 m=48
